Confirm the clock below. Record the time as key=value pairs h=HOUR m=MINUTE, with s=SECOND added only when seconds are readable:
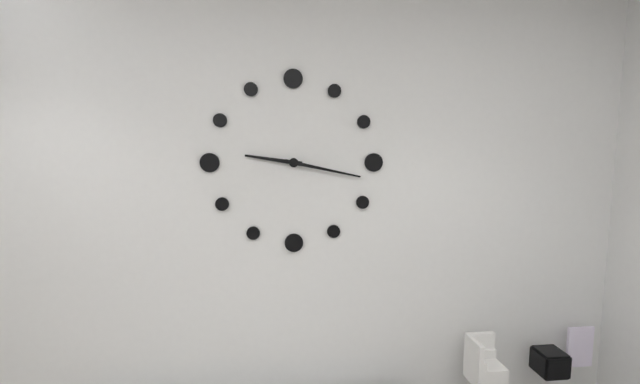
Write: h=9 m=17
